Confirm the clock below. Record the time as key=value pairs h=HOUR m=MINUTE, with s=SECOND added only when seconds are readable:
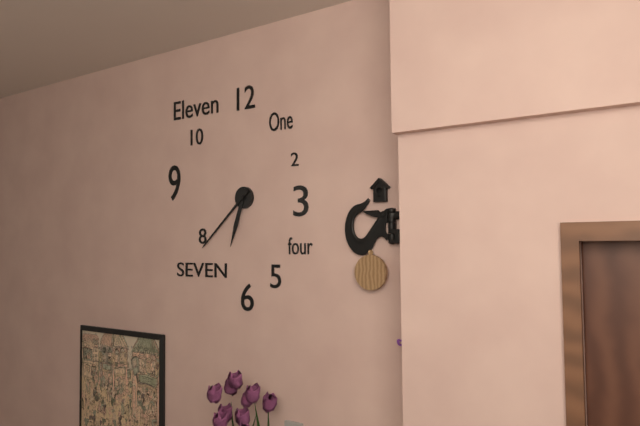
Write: h=6 m=38
